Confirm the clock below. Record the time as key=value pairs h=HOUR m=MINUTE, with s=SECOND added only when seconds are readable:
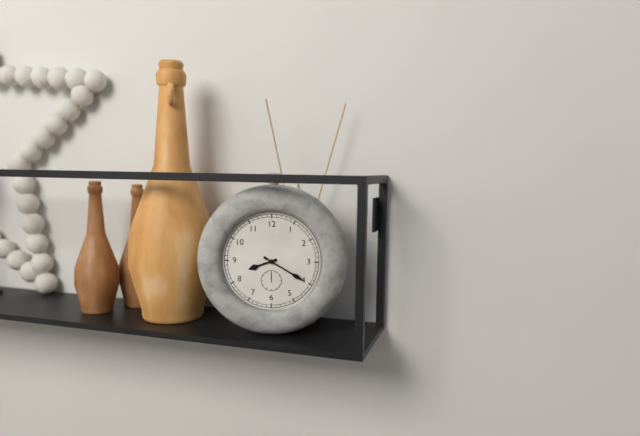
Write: h=8 m=20
